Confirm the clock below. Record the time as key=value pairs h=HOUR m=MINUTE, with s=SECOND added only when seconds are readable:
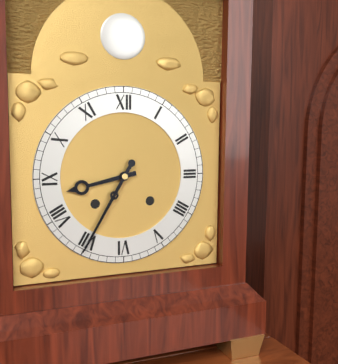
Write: h=8 m=35
